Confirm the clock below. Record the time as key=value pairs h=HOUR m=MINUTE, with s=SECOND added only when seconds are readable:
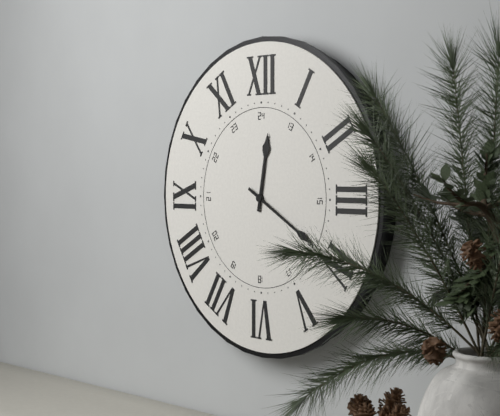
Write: h=12 m=20
